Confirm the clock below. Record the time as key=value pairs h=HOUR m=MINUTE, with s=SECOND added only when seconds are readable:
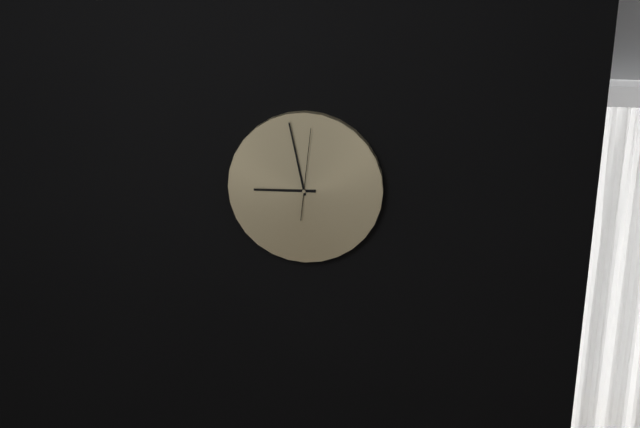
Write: h=8 m=58 s=1
